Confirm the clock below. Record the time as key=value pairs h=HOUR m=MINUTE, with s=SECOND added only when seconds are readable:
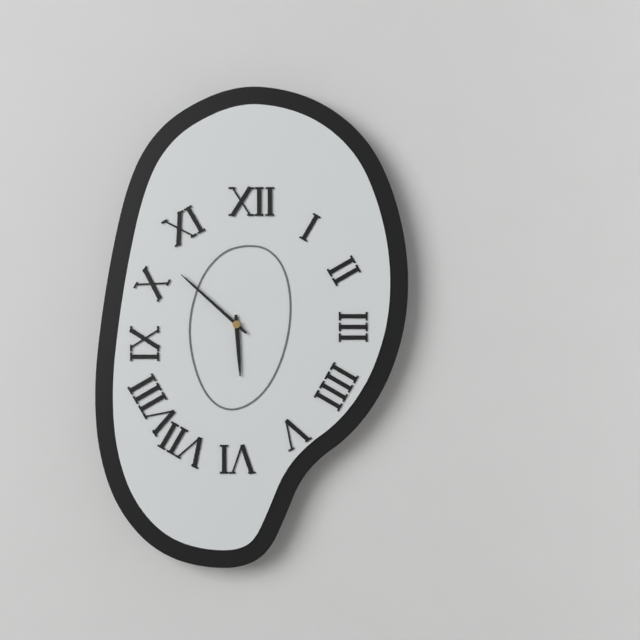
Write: h=5 m=52
